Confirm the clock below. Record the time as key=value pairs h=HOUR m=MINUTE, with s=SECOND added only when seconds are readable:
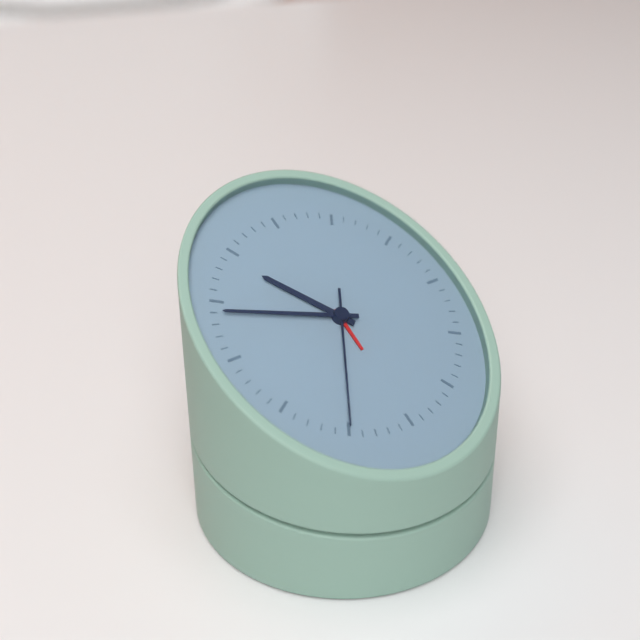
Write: h=10 m=49 s=35
